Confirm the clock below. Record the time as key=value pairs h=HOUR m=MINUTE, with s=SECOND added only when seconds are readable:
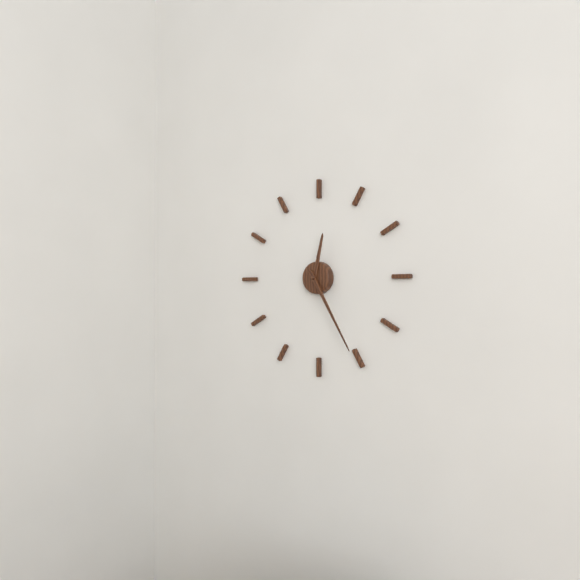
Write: h=12 m=25
